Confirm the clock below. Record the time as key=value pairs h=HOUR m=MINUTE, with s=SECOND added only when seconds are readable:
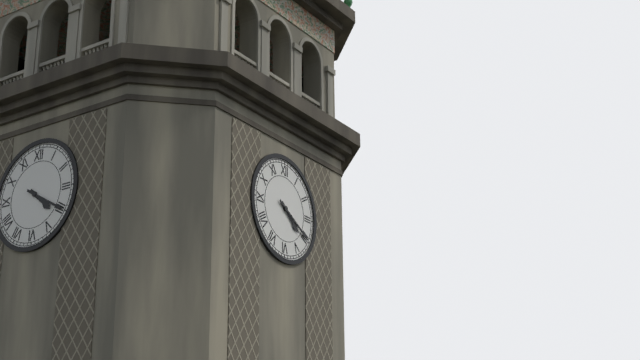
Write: h=4 m=20
